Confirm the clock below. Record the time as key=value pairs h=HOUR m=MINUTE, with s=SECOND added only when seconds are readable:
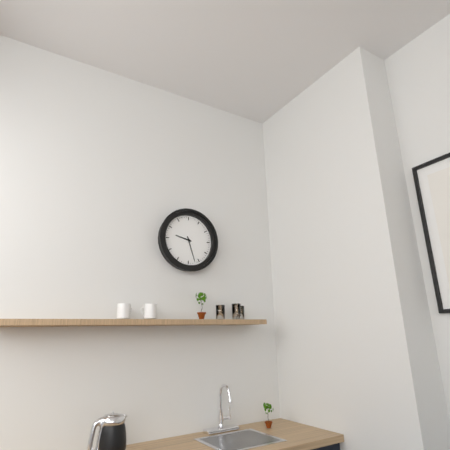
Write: h=9 m=27
